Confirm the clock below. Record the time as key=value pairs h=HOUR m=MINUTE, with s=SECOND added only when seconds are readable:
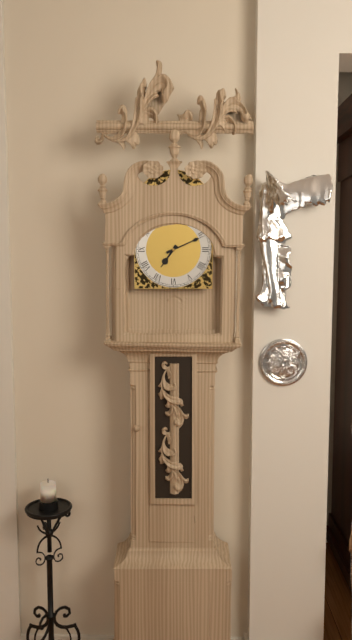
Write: h=7 m=11
